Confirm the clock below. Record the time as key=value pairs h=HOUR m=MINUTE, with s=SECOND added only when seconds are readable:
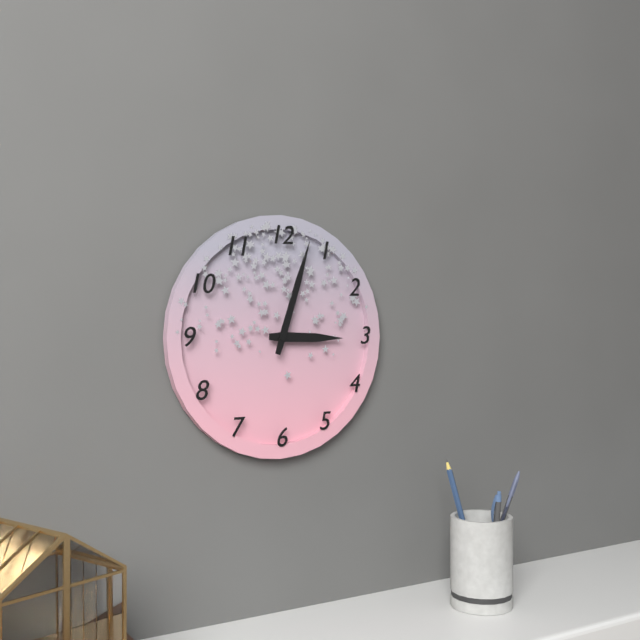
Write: h=3 m=3
